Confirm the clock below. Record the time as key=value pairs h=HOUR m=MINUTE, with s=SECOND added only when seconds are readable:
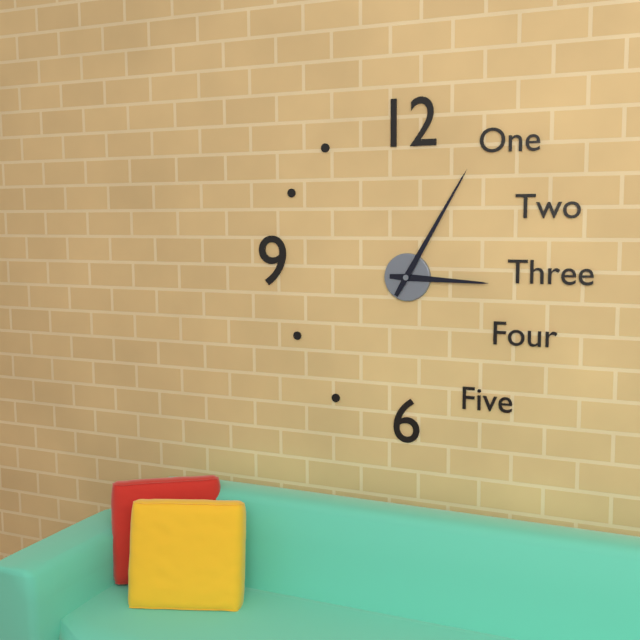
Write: h=3 m=5
